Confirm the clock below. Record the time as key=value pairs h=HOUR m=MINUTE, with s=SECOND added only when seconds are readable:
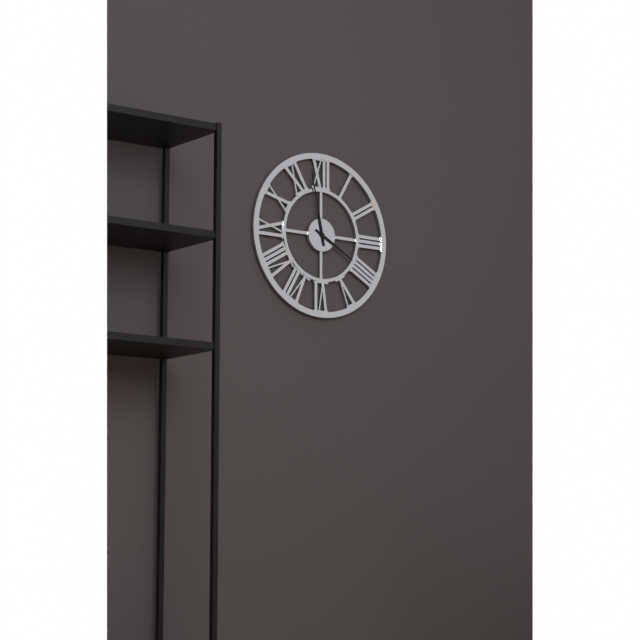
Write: h=3 m=58
